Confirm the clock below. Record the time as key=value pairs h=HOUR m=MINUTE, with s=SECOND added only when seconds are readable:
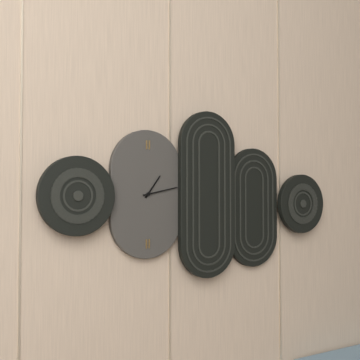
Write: h=1 m=13
